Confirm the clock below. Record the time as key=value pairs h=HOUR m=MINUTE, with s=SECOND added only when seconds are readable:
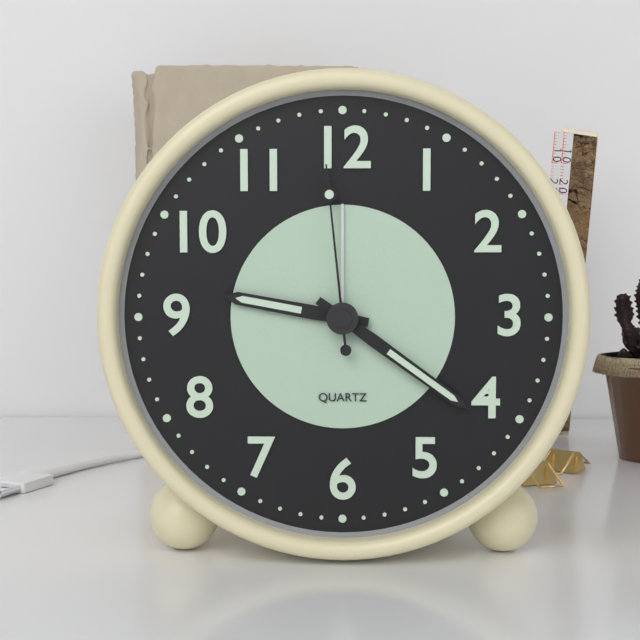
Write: h=9 m=21 s=59
